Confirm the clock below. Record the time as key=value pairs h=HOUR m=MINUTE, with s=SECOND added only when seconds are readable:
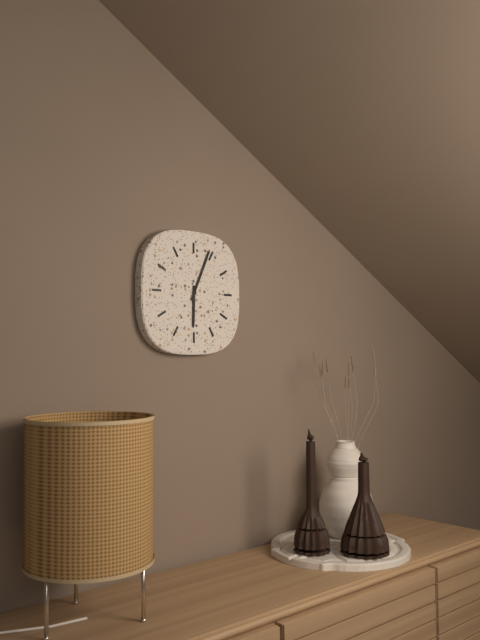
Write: h=6 m=4
